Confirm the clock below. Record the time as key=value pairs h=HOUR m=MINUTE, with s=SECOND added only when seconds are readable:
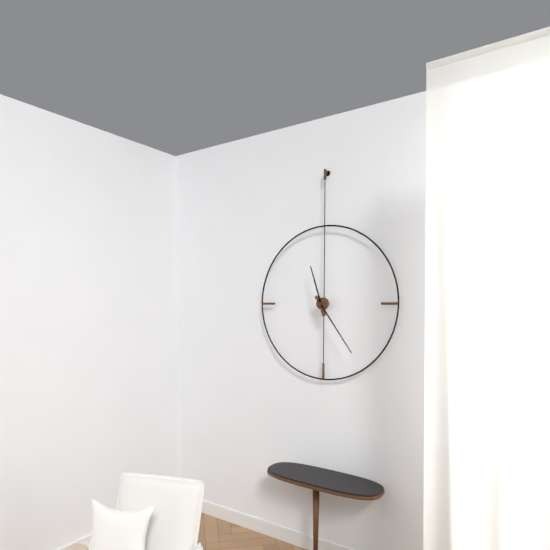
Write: h=11 m=24
